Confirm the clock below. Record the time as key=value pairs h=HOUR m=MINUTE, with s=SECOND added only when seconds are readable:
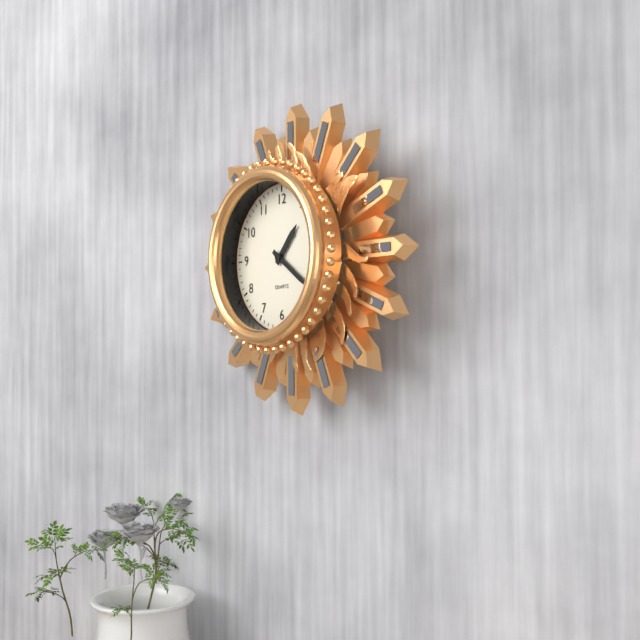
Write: h=1 m=21
